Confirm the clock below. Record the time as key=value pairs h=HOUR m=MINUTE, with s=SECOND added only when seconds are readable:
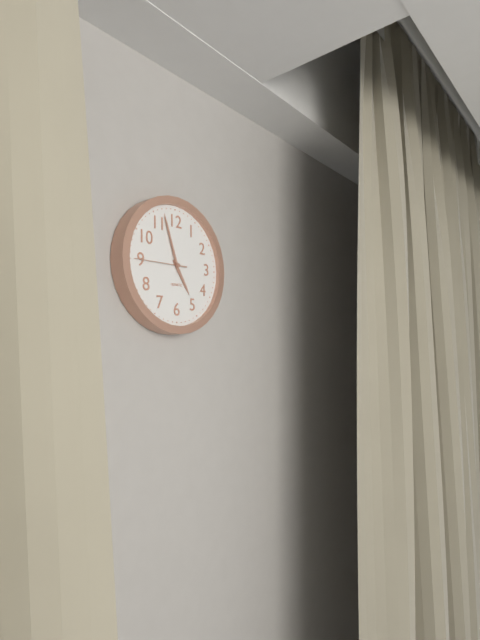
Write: h=4 m=57 s=45
